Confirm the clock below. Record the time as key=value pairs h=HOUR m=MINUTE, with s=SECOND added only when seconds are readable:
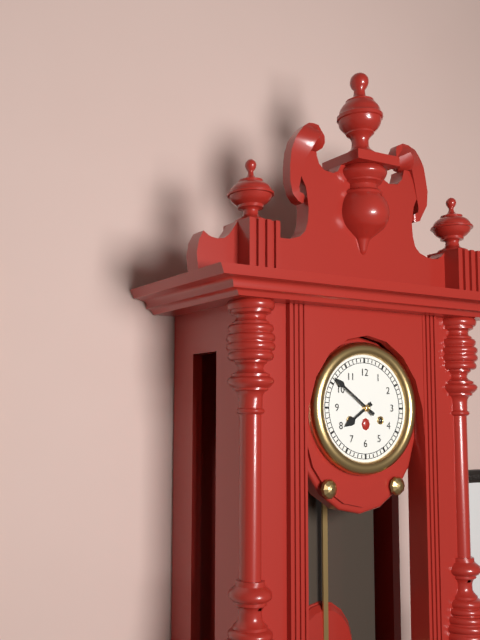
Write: h=7 m=51
